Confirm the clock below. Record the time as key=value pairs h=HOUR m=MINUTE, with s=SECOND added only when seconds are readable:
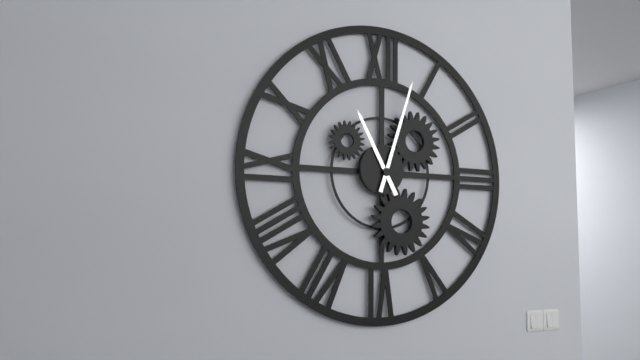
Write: h=11 m=3
